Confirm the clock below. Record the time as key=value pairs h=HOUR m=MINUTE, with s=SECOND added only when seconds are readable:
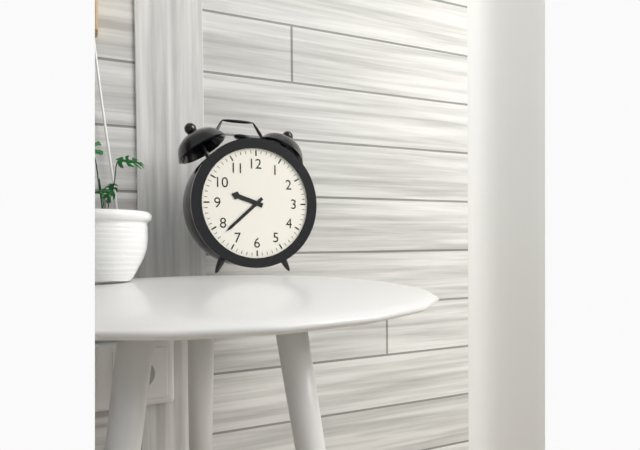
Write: h=9 m=38
